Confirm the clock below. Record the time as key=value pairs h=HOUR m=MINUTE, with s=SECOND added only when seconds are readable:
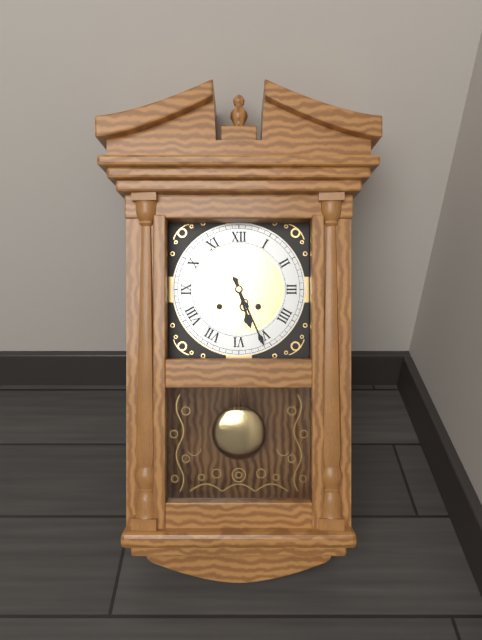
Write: h=5 m=26
